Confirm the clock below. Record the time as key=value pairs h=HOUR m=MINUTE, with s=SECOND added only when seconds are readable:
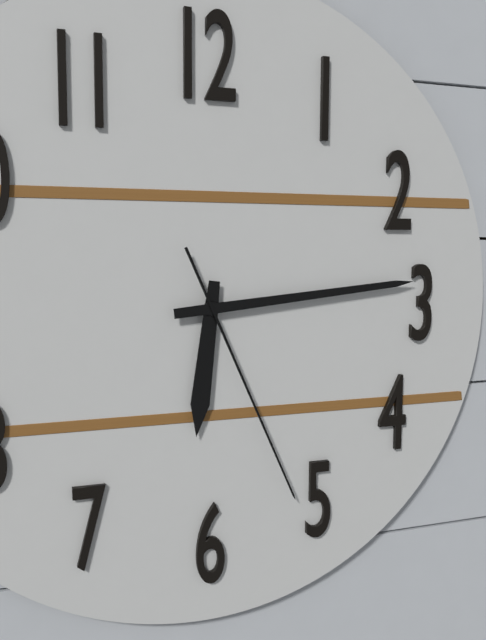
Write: h=6 m=14 s=26
